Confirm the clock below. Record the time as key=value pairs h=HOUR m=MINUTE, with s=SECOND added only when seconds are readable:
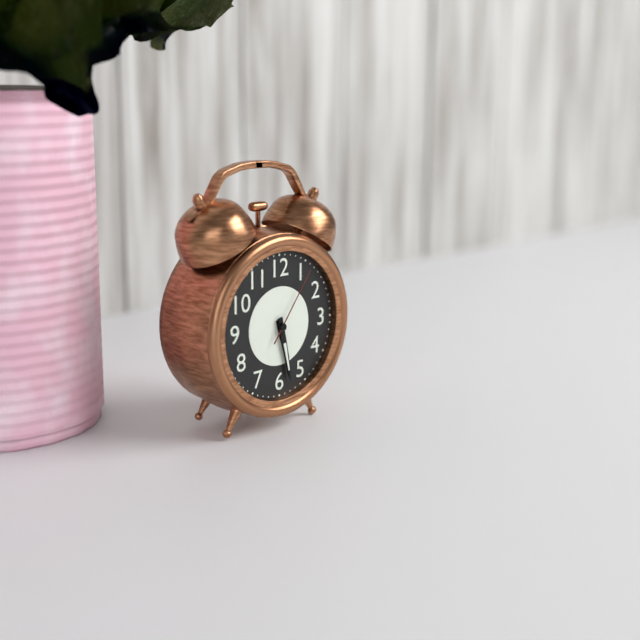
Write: h=5 m=28 s=6
